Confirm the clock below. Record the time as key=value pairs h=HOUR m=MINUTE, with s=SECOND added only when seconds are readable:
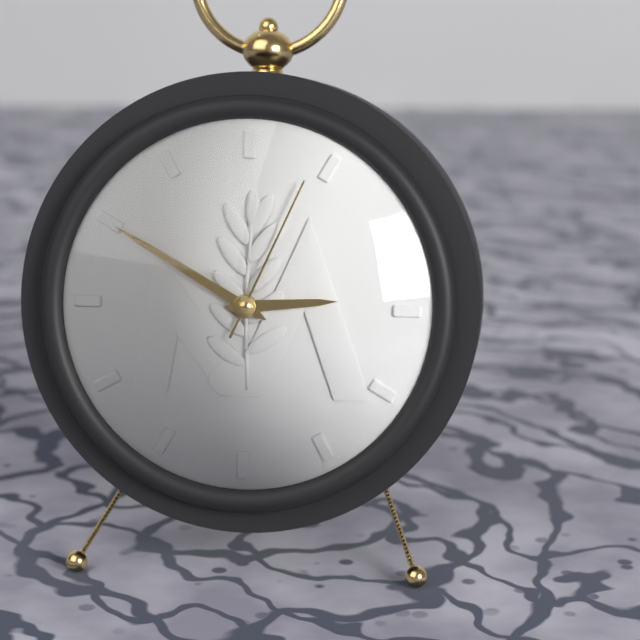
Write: h=2 m=50 s=4
